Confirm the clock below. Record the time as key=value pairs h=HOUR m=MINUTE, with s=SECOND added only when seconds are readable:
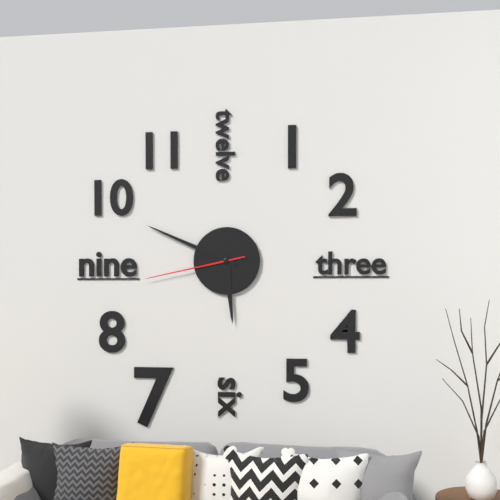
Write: h=5 m=49 s=43
